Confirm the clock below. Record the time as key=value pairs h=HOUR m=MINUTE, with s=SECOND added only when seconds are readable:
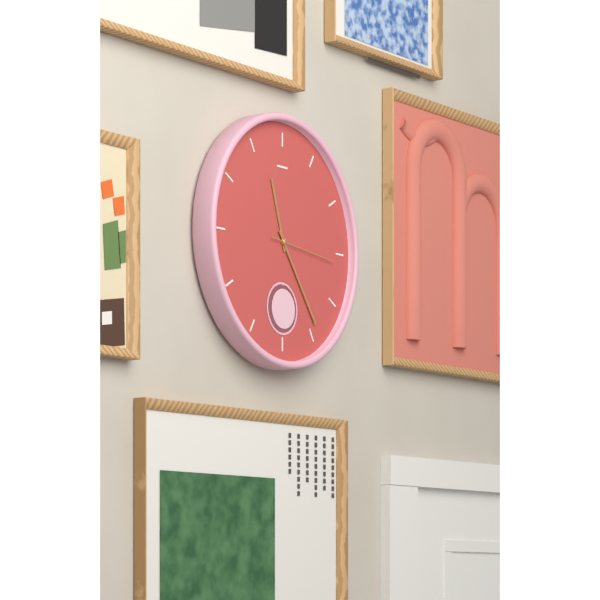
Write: h=11 m=24 s=16
